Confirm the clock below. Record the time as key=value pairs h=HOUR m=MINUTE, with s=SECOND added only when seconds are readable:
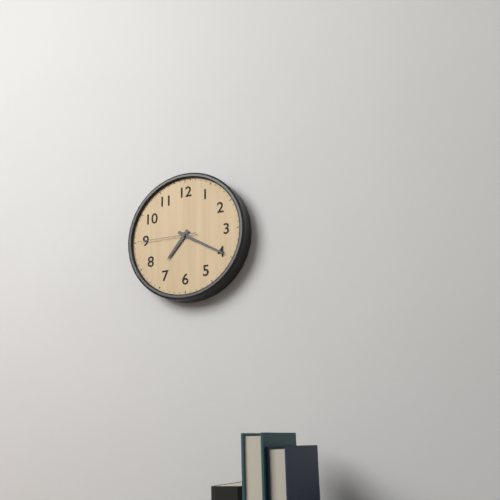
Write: h=7 m=20 s=45
